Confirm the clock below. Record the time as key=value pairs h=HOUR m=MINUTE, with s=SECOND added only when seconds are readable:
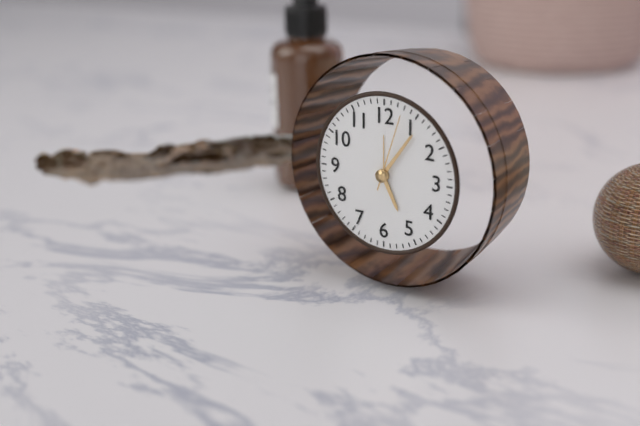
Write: h=5 m=6 s=3
